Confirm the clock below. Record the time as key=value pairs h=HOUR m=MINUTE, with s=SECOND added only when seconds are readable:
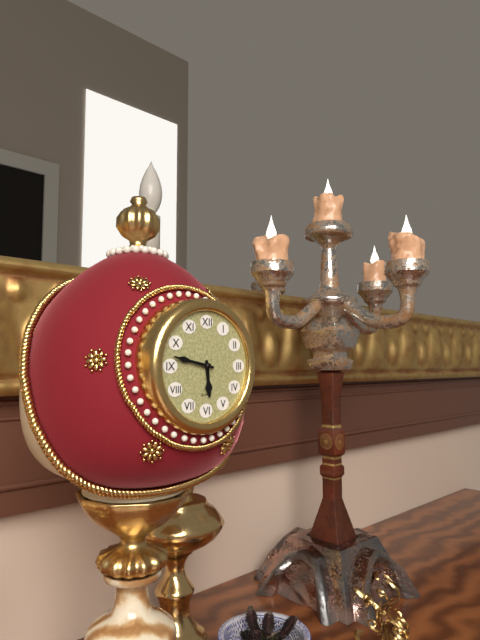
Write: h=5 m=47
